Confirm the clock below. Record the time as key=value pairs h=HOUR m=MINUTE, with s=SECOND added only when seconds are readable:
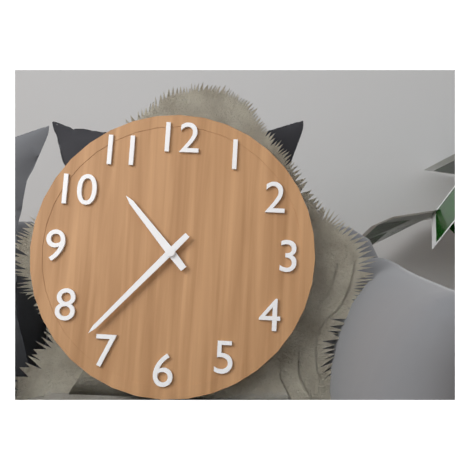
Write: h=10 m=37
